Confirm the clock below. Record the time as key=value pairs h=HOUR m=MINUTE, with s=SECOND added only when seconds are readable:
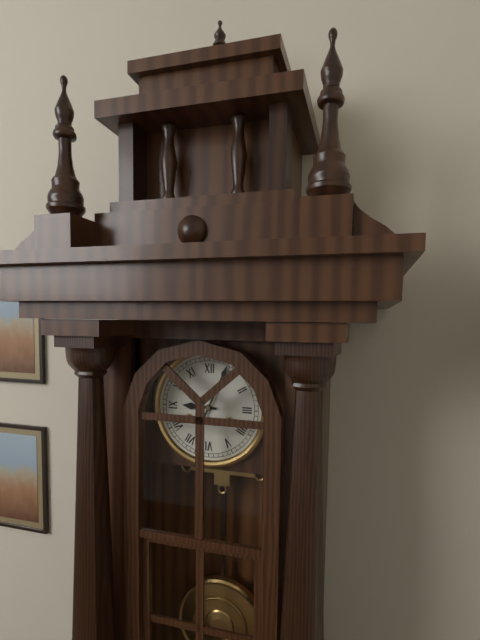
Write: h=9 m=4
